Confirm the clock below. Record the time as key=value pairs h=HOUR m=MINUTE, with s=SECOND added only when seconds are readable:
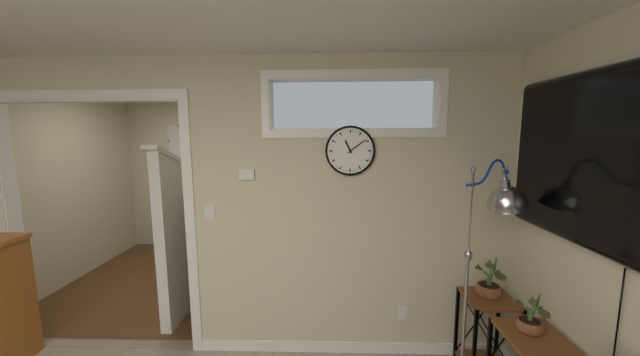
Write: h=11 m=9
